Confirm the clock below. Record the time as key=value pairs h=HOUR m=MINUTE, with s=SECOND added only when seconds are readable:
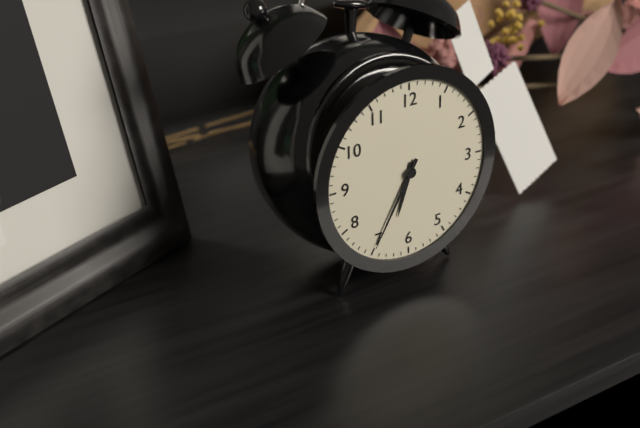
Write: h=6 m=35
